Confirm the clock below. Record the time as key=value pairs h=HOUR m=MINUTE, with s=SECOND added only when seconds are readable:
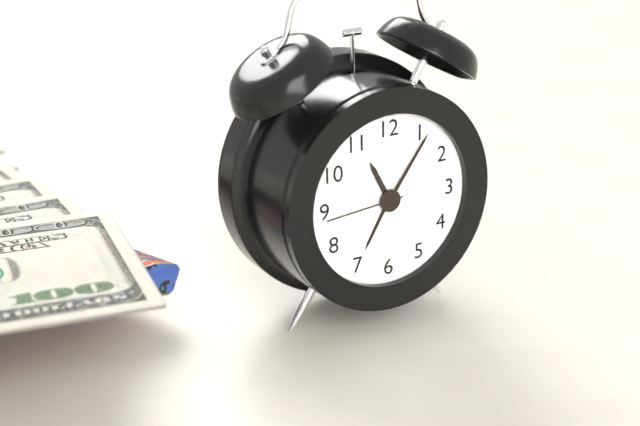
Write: h=11 m=6 s=44
